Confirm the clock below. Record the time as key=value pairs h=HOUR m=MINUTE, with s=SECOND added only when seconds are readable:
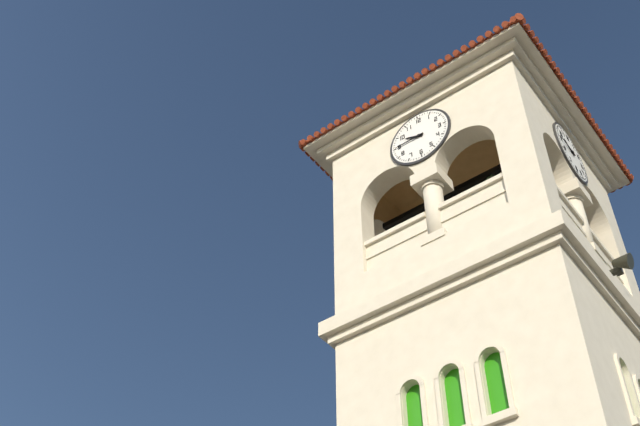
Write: h=9 m=45
